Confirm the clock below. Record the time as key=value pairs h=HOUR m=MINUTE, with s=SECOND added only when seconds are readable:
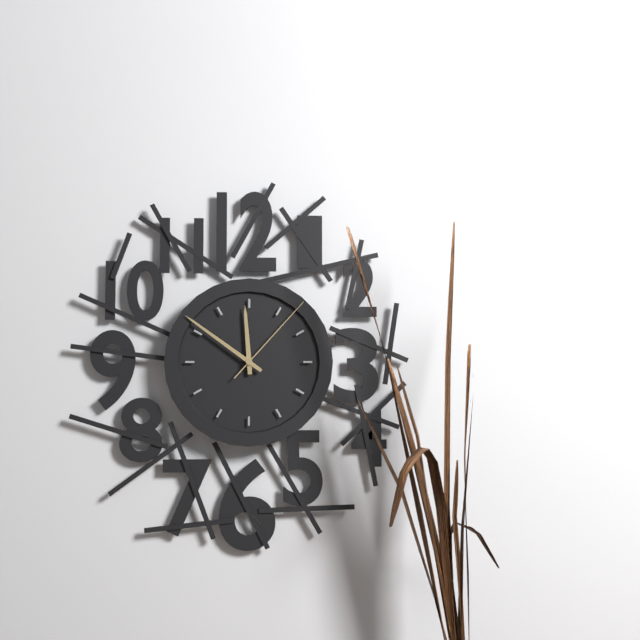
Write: h=11 m=51 s=7
